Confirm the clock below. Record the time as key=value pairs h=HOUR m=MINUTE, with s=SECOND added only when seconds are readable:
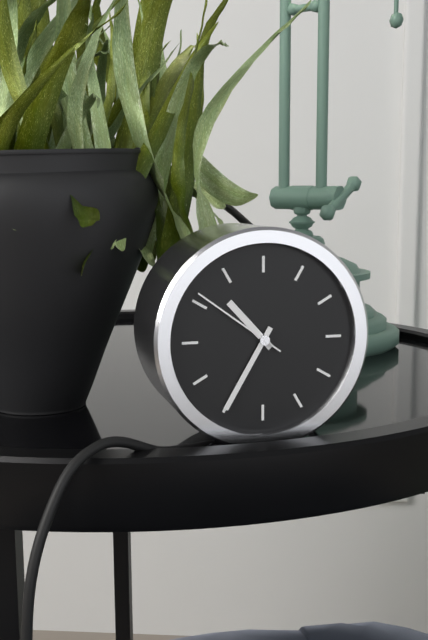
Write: h=10 m=35 s=51
